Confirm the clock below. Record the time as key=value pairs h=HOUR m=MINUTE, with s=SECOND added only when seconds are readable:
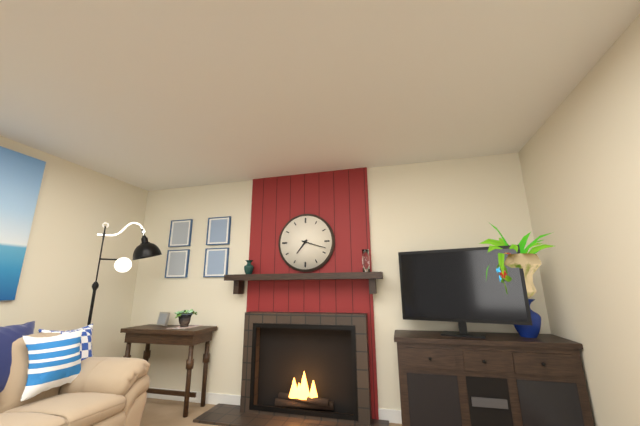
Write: h=7 m=18
